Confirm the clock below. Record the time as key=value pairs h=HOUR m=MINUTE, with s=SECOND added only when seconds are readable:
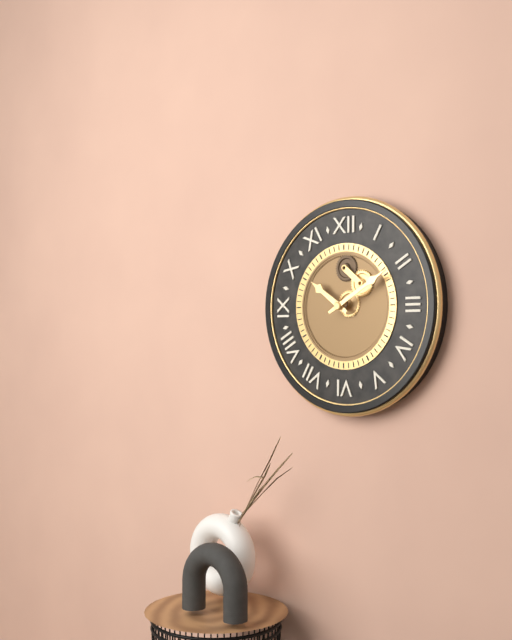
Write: h=10 m=10
